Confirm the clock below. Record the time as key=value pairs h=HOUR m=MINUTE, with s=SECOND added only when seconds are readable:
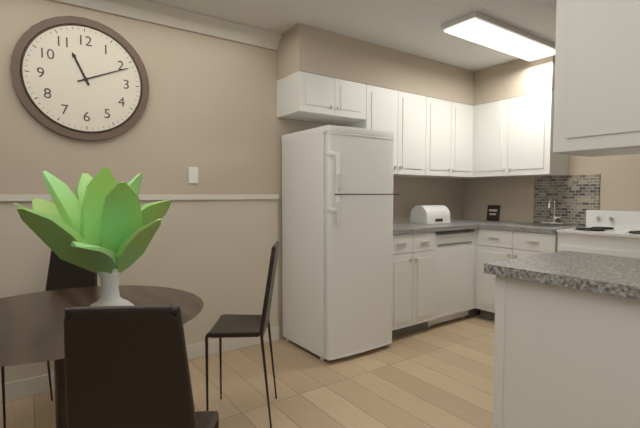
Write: h=11 m=11
